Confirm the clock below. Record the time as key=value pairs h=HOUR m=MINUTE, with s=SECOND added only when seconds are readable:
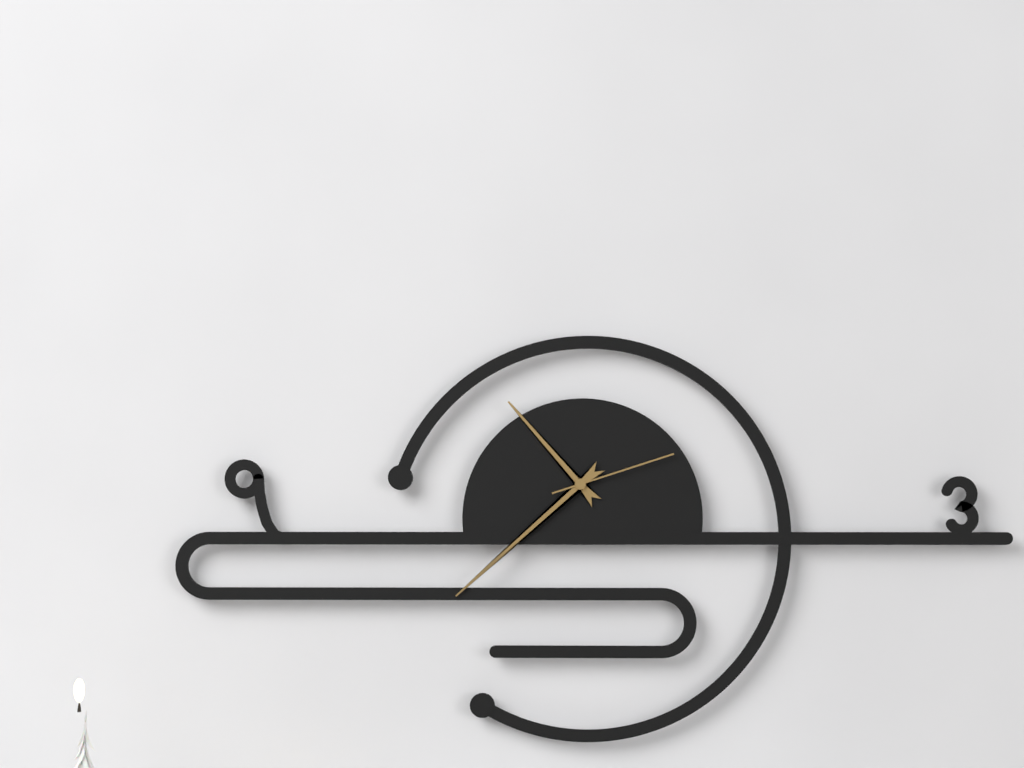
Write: h=10 m=38 s=12
